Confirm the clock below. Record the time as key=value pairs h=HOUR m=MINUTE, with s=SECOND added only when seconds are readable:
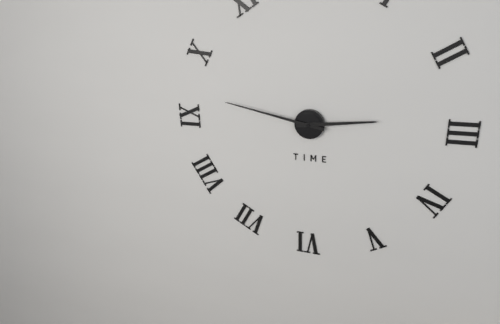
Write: h=2 m=47
